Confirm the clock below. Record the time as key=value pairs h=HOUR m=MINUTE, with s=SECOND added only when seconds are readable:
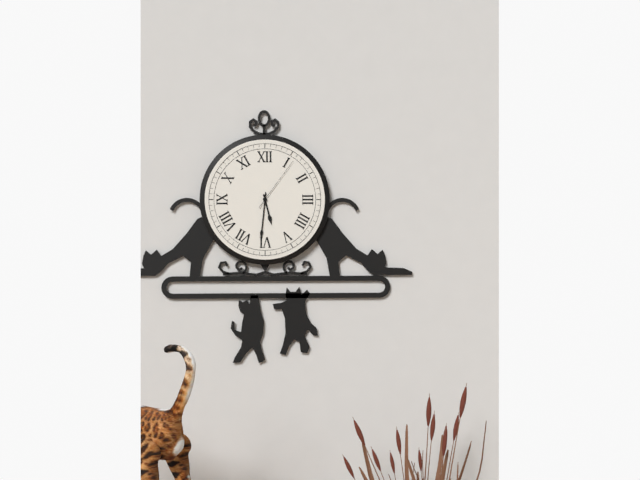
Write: h=5 m=31 s=6
